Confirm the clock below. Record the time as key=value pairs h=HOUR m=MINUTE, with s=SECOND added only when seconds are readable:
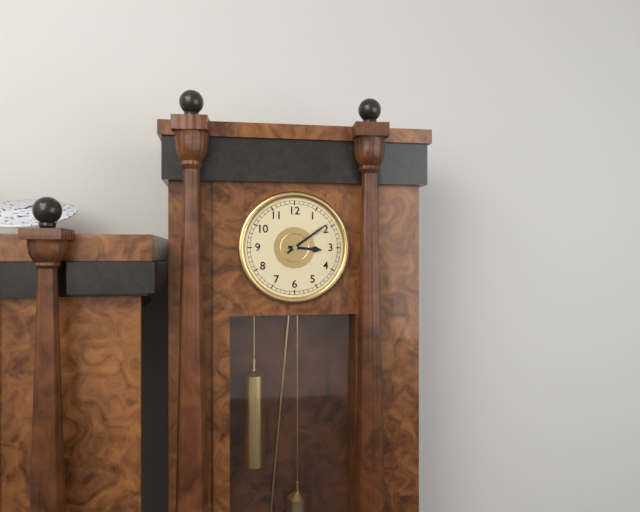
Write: h=3 m=9
